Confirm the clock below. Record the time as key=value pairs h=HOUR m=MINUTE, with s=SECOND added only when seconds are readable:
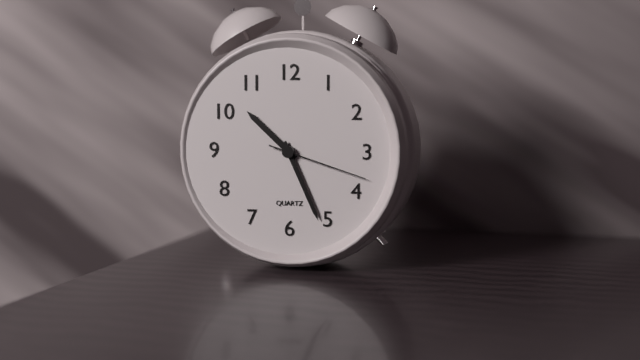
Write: h=10 m=26 s=18
